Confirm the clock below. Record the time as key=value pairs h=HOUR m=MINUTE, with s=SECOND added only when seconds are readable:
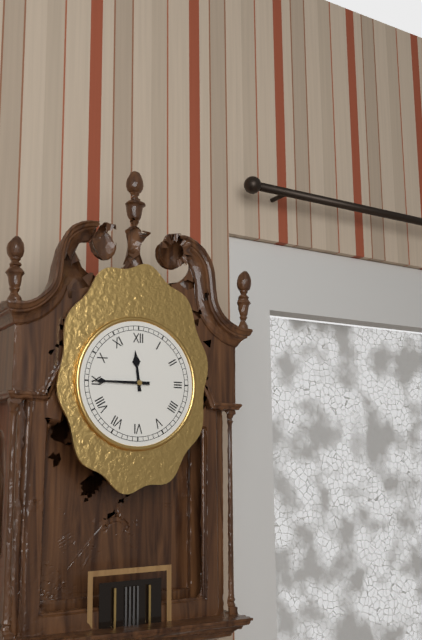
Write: h=11 m=45
